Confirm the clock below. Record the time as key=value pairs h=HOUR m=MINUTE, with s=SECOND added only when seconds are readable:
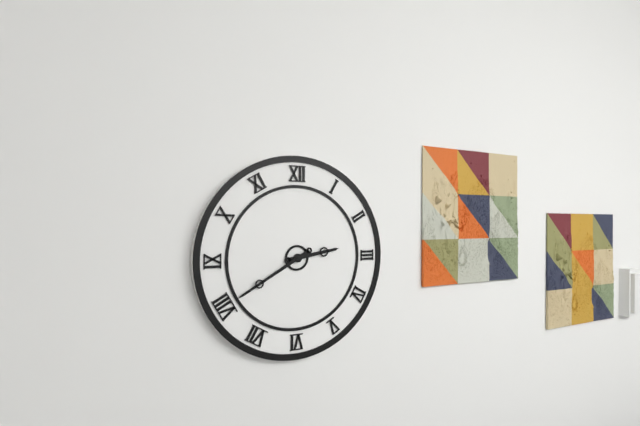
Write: h=2 m=40
